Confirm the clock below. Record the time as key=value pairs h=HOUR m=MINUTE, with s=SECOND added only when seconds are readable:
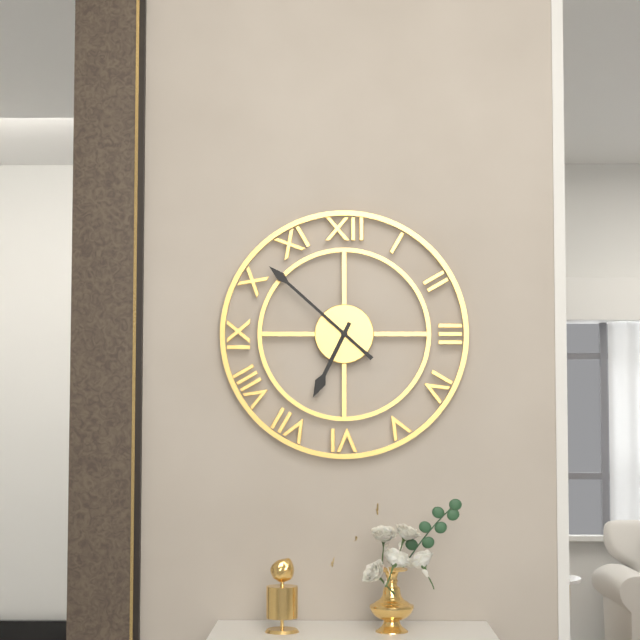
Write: h=6 m=52
